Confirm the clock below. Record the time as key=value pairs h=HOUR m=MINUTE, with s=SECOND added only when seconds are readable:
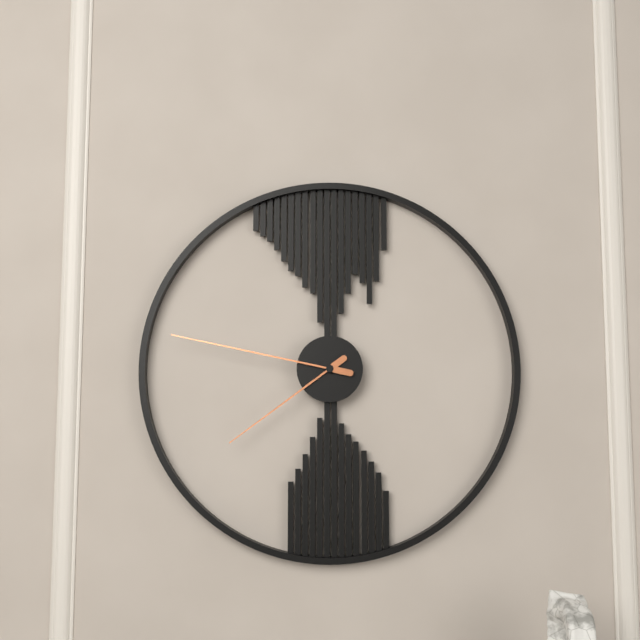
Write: h=7 m=47
